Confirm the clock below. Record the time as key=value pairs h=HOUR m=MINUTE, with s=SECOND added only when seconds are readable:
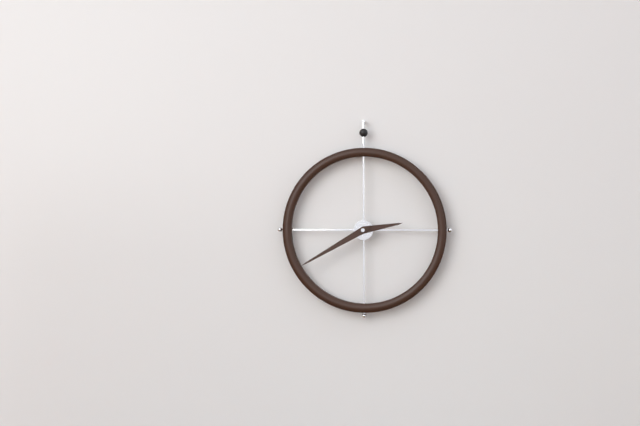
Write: h=2 m=40
